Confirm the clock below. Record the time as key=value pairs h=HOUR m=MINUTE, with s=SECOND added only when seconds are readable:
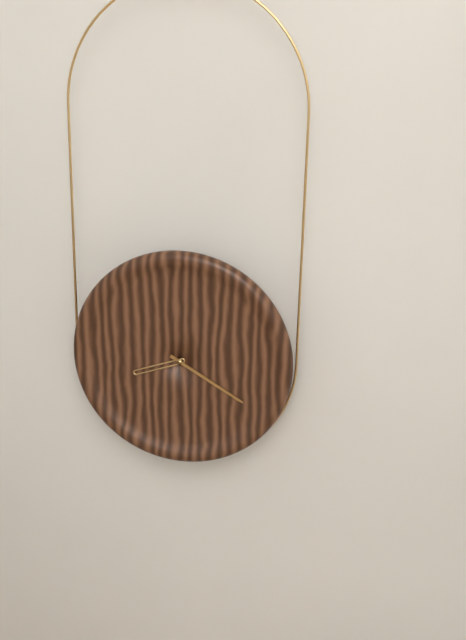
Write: h=8 m=20
